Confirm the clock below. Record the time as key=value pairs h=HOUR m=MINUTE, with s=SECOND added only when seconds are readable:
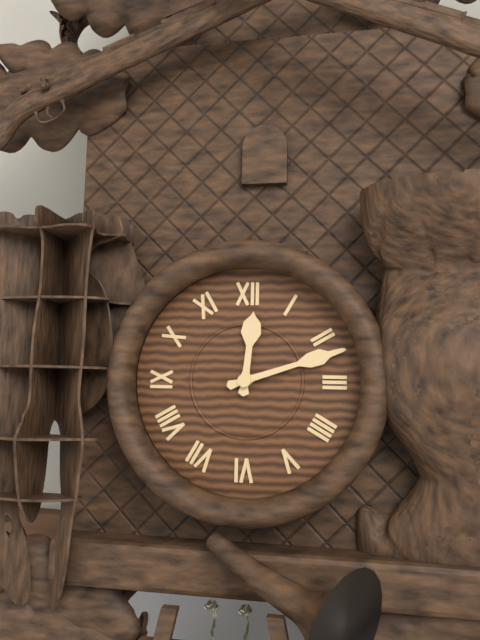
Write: h=12 m=12
